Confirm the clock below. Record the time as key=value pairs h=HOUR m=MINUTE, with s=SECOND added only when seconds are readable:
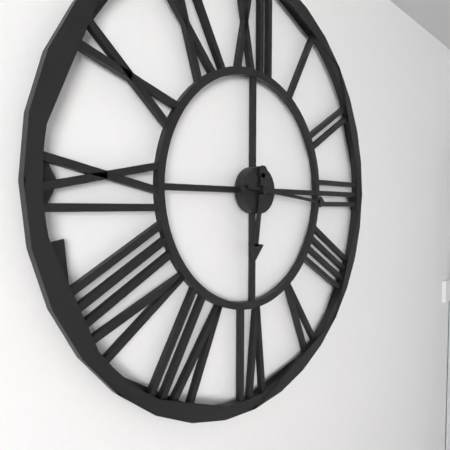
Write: h=6 m=16
